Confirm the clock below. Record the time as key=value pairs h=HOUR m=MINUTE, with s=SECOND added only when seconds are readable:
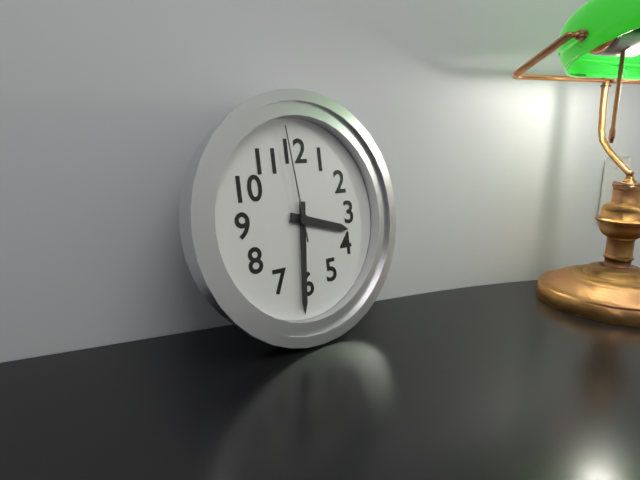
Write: h=3 m=31 s=59
